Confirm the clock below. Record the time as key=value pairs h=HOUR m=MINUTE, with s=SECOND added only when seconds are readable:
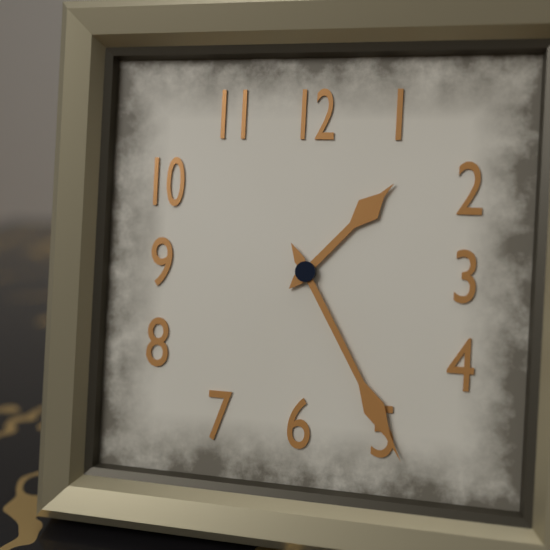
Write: h=1 m=25
